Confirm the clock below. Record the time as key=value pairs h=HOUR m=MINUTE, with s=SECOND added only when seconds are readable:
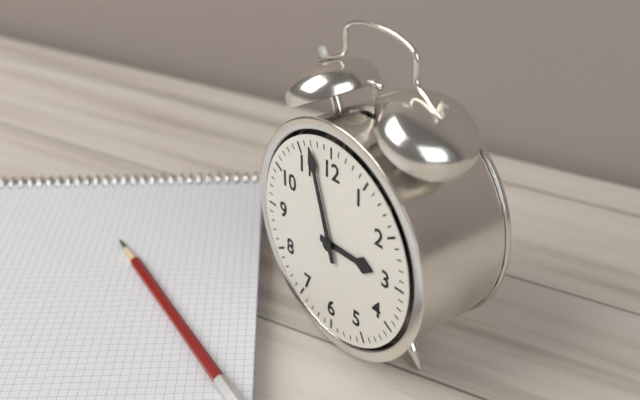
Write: h=2 m=57
